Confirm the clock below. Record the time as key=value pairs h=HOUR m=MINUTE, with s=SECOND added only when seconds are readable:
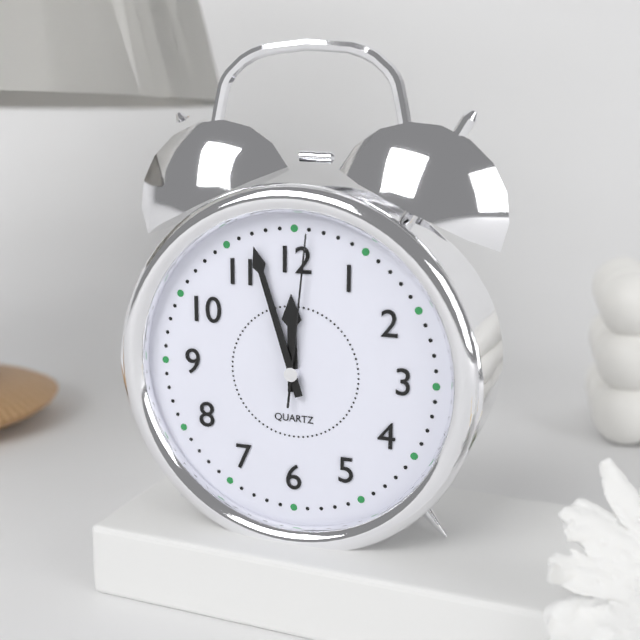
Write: h=11 m=57 s=1
